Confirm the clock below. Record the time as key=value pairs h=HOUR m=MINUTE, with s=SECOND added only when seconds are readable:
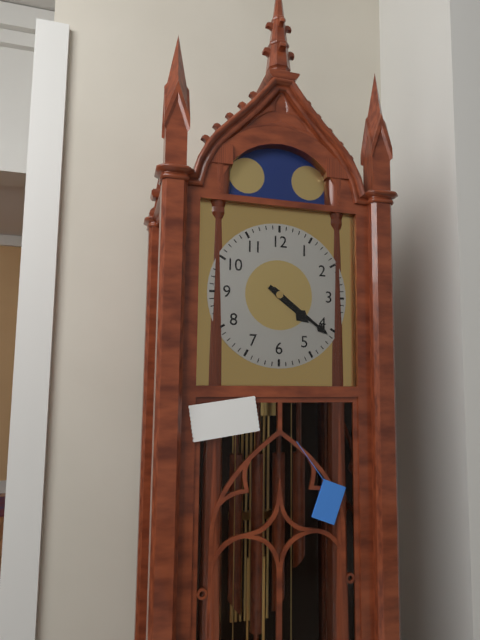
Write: h=4 m=21
